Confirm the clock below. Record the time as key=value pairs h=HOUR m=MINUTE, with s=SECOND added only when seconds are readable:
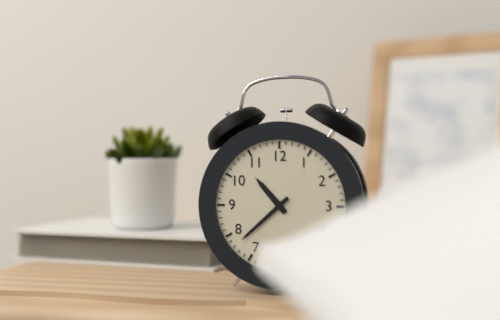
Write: h=10 m=38
